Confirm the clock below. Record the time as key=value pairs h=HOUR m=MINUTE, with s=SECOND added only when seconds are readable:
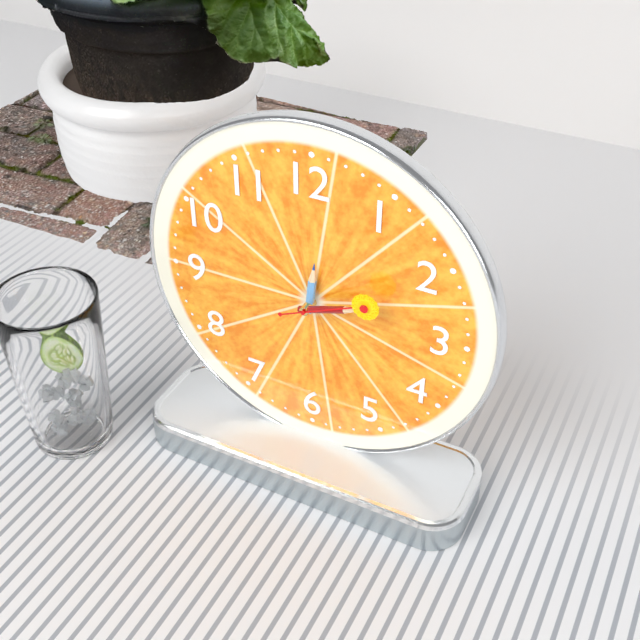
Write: h=12 m=12 s=11
